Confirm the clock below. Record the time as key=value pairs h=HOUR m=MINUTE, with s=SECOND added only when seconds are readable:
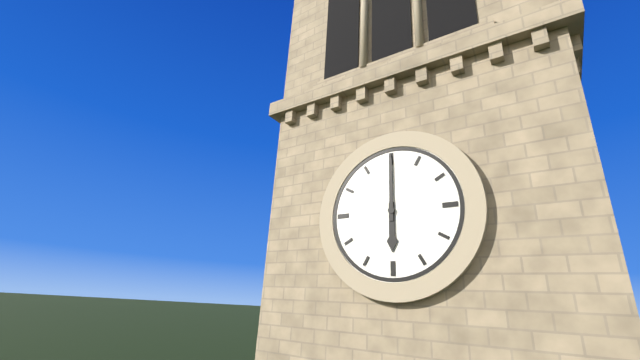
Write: h=6 m=0
